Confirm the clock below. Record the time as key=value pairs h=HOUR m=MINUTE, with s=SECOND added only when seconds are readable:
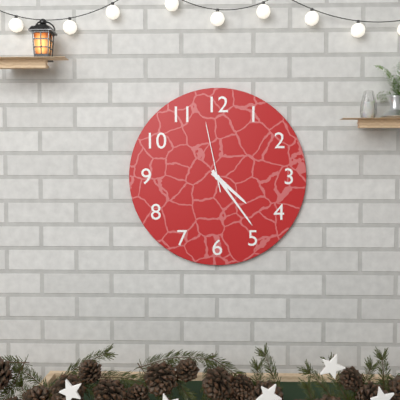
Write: h=4 m=24 s=58
